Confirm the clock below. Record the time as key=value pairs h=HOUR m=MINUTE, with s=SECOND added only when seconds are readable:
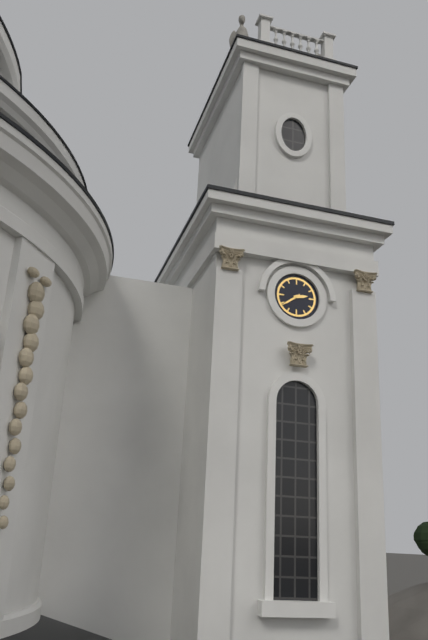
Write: h=2 m=39
